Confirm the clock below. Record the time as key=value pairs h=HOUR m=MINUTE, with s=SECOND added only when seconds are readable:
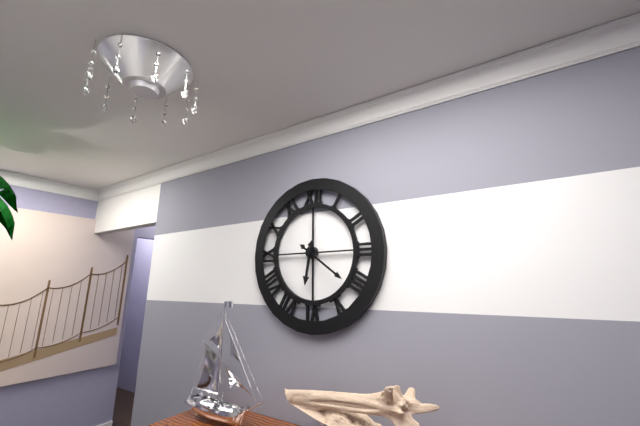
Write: h=6 m=21
